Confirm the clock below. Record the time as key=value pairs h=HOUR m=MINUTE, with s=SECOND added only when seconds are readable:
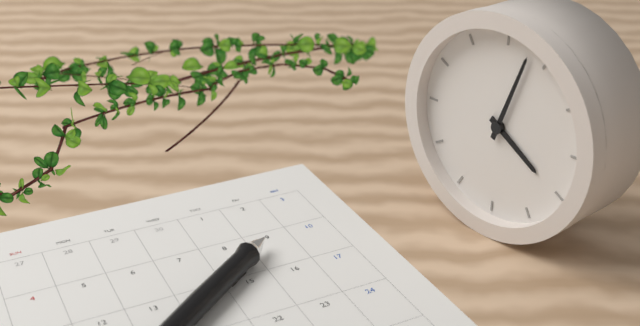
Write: h=4 m=3
